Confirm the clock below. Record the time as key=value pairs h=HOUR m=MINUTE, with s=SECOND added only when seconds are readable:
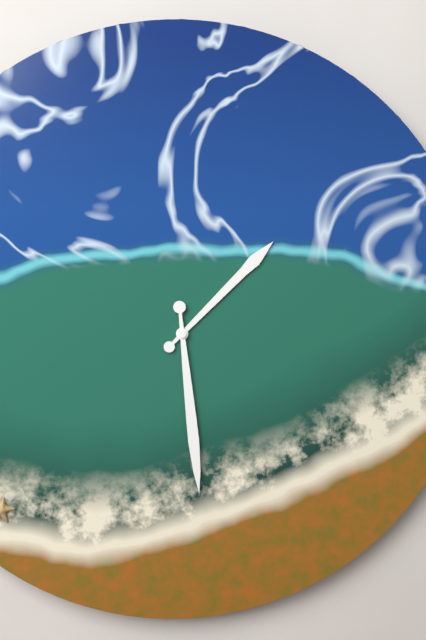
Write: h=1 m=29
